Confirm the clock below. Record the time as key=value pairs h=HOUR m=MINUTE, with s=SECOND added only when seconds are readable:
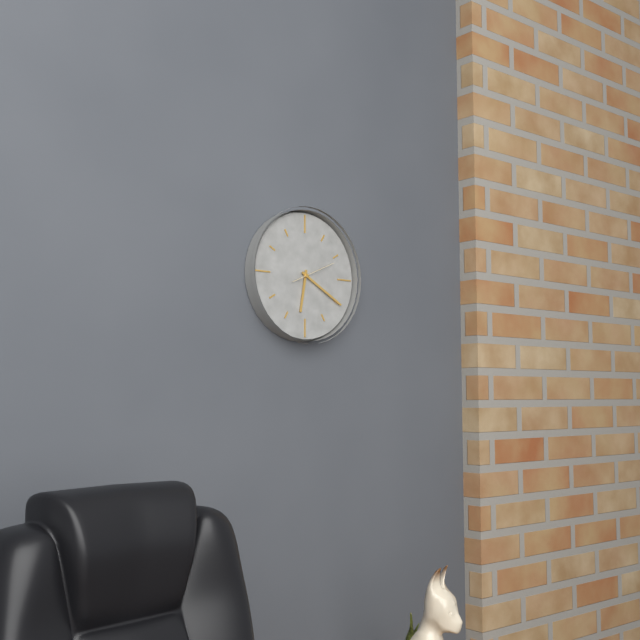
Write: h=6 m=20
